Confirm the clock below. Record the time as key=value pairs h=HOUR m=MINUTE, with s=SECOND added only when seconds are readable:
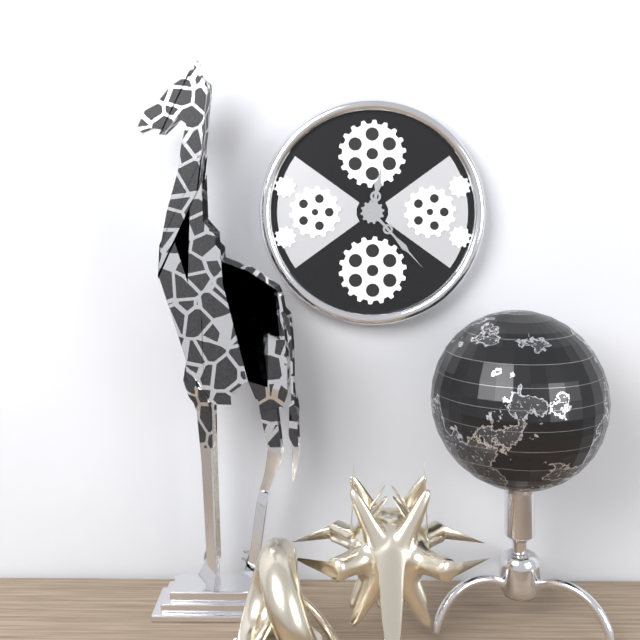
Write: h=12 m=23
